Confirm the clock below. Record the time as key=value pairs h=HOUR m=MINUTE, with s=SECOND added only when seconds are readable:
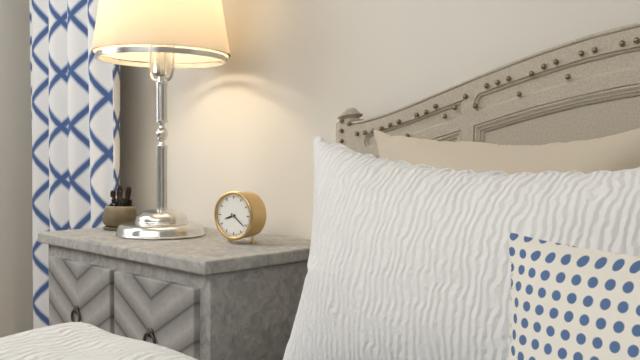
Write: h=8 m=21
